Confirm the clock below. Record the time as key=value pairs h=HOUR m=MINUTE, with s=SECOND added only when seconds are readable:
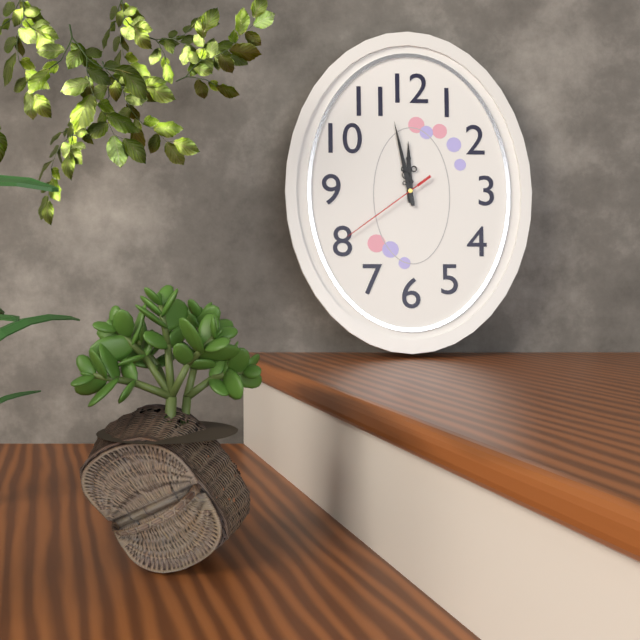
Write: h=11 m=58 s=39
